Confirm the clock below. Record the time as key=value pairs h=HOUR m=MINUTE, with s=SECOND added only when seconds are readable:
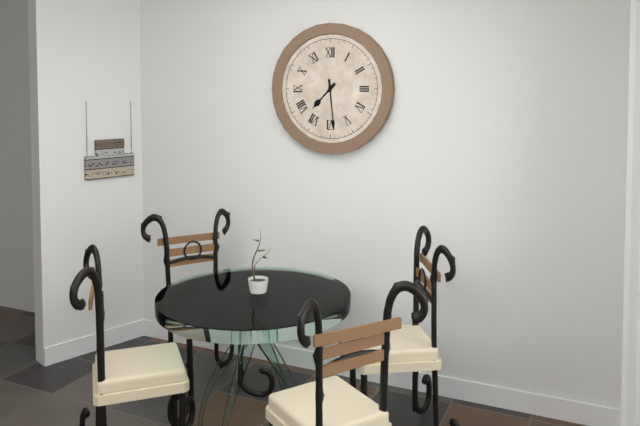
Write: h=7 m=29
